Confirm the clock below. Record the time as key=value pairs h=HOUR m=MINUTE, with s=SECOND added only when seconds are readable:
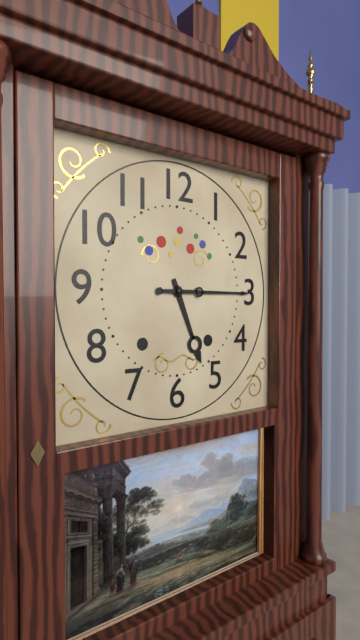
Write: h=5 m=15
